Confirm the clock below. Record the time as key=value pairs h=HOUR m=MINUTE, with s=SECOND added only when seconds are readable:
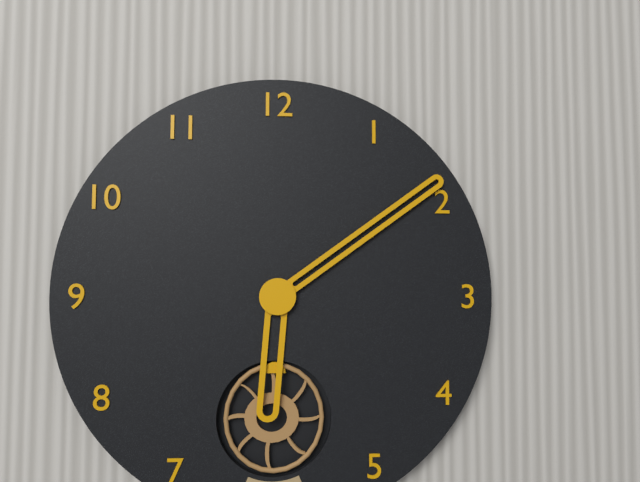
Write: h=6 m=9
